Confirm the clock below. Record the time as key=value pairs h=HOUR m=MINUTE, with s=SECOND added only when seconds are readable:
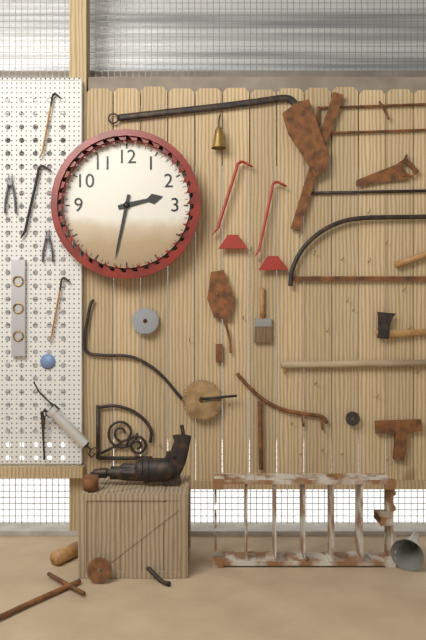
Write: h=2 m=32
